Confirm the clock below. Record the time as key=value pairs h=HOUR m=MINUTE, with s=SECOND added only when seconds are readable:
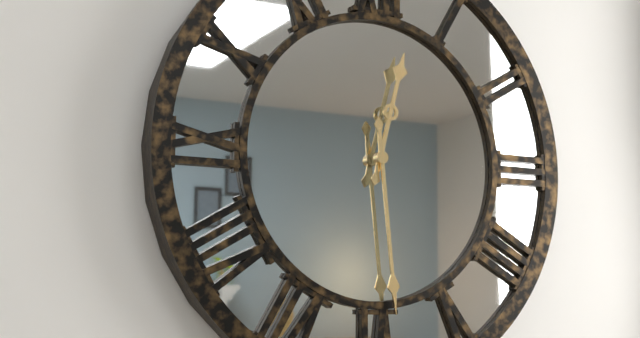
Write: h=12 m=29
